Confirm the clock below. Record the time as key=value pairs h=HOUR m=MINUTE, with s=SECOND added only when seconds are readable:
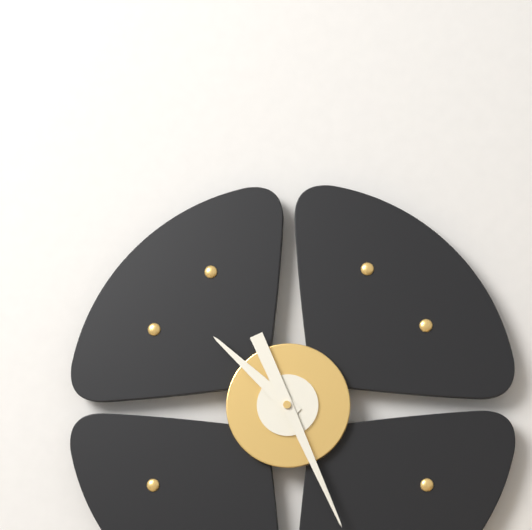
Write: h=10 m=26
